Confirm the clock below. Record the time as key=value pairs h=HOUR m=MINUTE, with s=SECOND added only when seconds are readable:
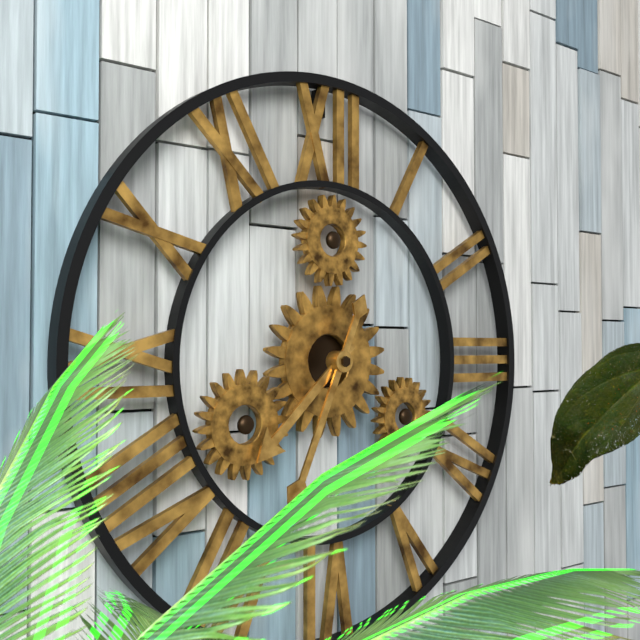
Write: h=7 m=34
